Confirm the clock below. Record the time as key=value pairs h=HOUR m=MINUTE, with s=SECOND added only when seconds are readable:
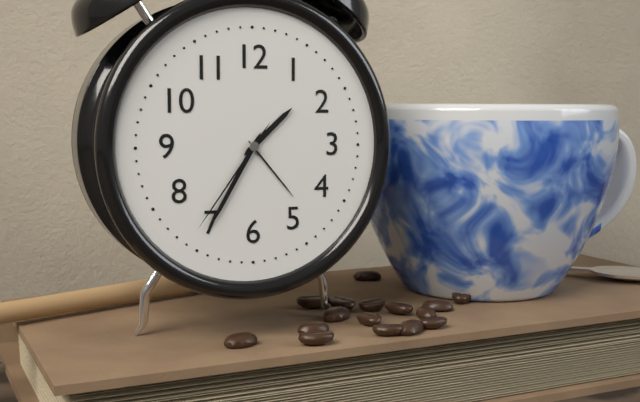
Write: h=1 m=35 s=36
